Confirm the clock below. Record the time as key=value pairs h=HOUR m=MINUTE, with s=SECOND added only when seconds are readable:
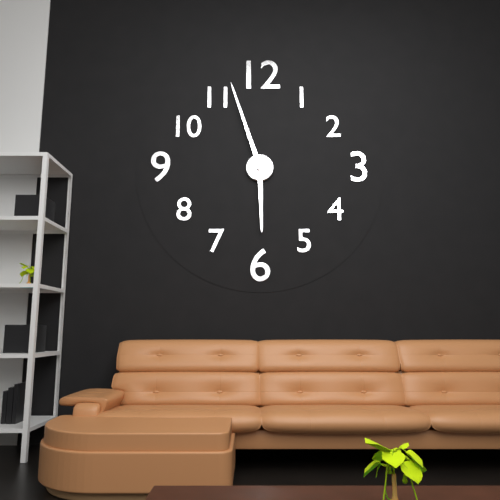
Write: h=5 m=57
